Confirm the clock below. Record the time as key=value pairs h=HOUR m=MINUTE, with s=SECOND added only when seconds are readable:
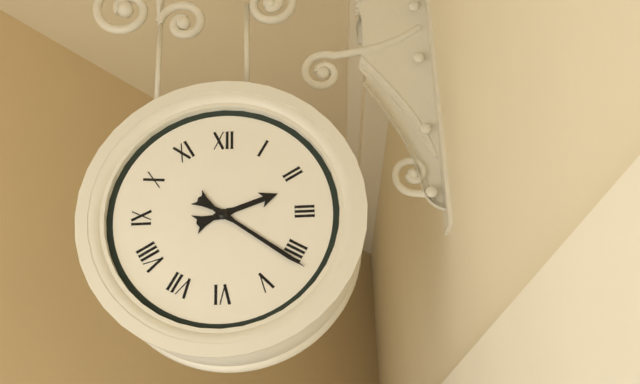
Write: h=2 m=21
